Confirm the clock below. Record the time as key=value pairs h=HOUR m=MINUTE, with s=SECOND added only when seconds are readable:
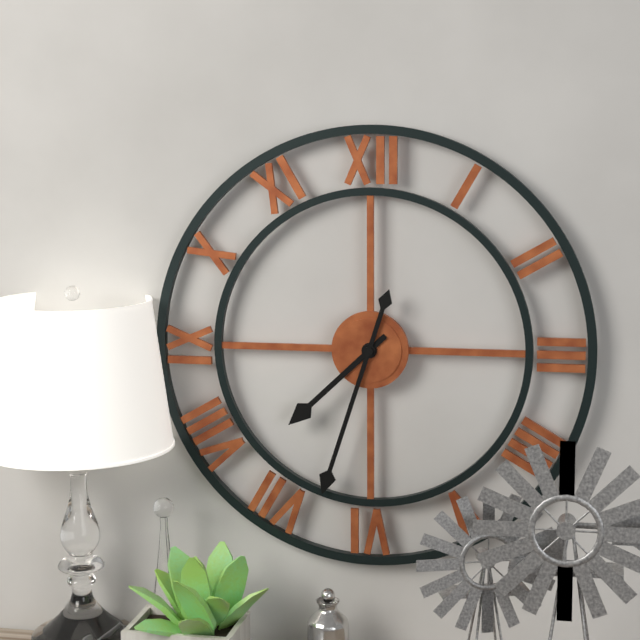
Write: h=7 m=33
